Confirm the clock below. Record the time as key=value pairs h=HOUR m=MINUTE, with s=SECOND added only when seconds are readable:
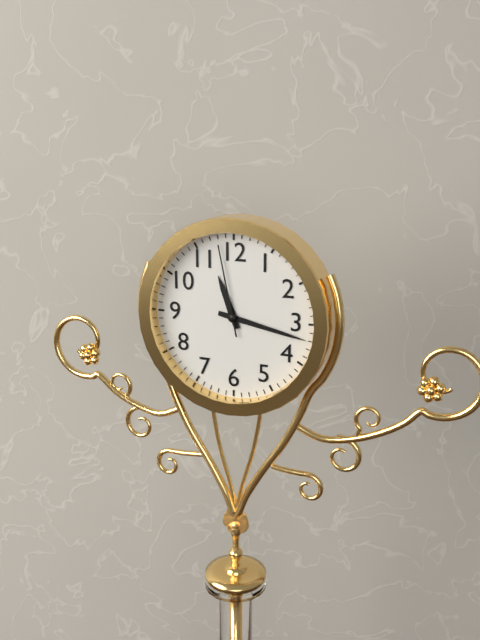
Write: h=11 m=17 s=58
